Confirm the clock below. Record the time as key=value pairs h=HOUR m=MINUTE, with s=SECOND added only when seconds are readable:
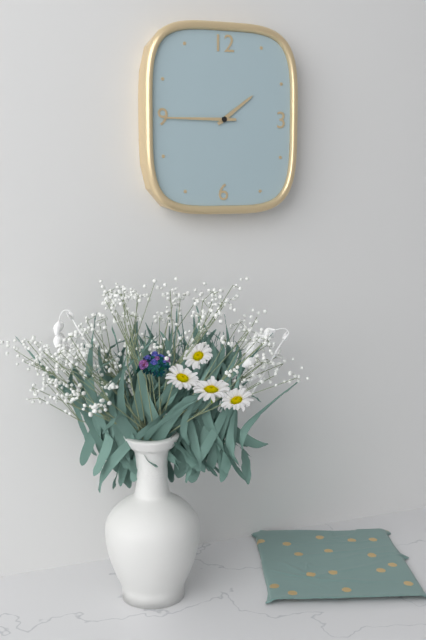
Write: h=1 m=45
